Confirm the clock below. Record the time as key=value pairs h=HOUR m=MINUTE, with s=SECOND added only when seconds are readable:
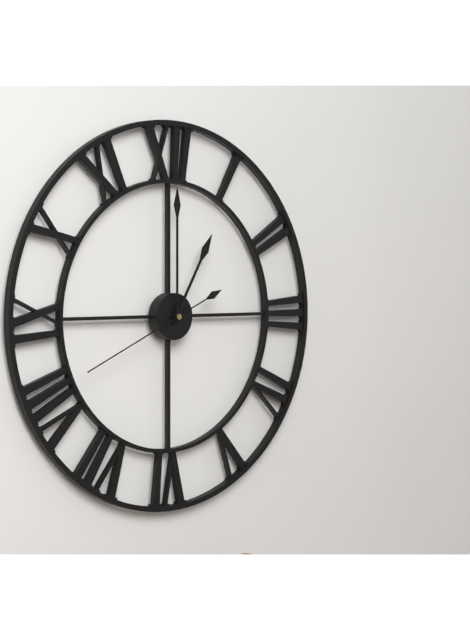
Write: h=1 m=0 s=41
